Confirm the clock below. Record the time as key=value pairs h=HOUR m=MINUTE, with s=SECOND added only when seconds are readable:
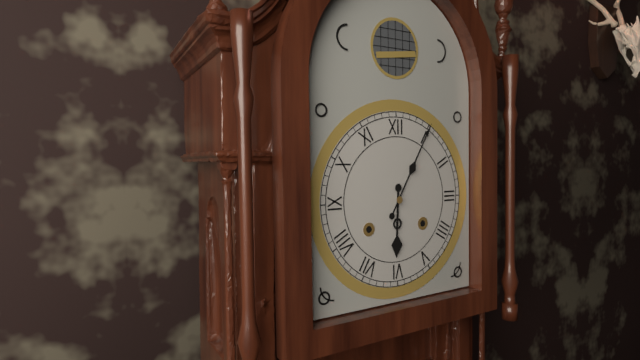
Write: h=6 m=5
